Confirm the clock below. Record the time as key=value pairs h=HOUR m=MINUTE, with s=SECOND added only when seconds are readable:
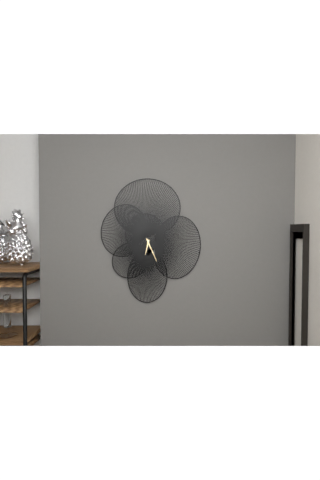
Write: h=6 m=26
